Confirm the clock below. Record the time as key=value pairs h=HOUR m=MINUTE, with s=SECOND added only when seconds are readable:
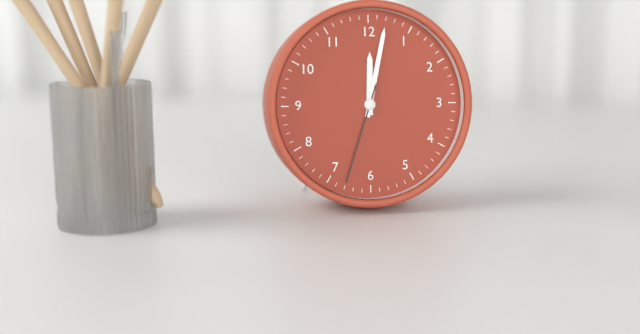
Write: h=12 m=2 s=33
